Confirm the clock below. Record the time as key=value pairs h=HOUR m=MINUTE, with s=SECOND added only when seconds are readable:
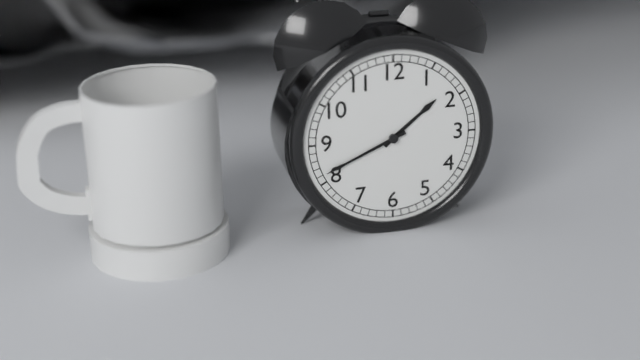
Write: h=1 m=41
